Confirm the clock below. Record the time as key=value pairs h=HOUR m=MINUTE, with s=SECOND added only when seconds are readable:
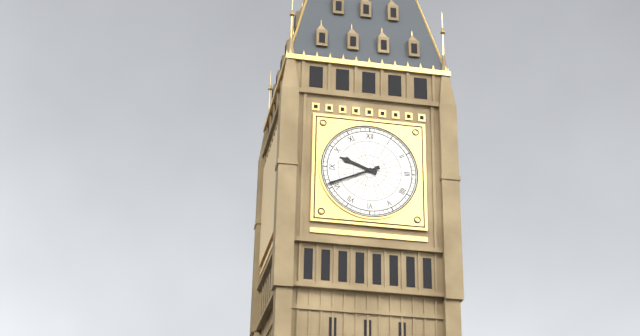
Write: h=9 m=41
